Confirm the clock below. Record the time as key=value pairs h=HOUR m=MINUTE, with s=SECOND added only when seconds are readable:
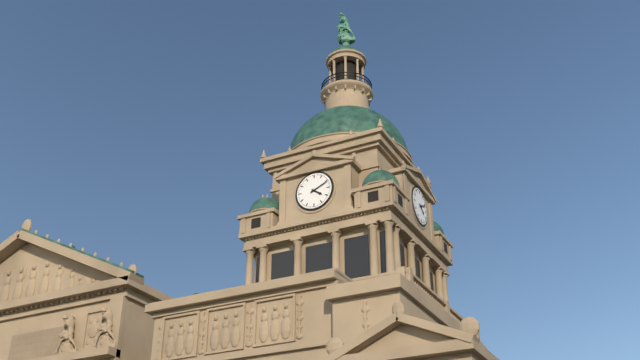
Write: h=4 m=11
